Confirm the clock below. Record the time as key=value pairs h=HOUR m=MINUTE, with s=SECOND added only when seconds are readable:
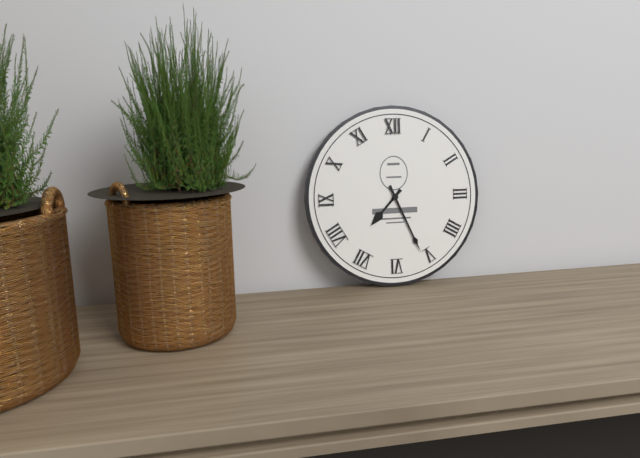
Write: h=7 m=26
